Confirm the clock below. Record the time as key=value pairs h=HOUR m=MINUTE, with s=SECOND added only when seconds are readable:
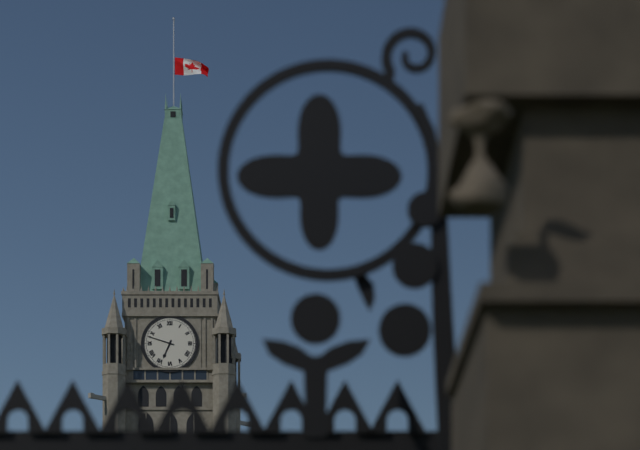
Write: h=6 m=48
